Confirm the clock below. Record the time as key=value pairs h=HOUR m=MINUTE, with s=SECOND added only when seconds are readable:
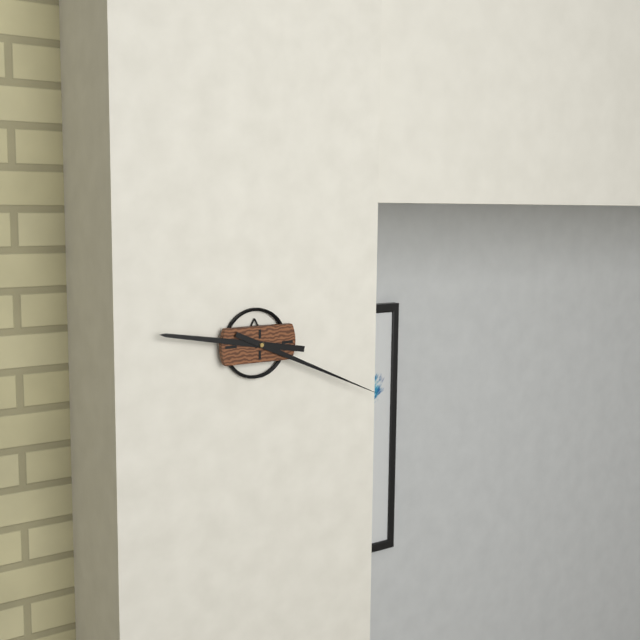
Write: h=9 m=19
